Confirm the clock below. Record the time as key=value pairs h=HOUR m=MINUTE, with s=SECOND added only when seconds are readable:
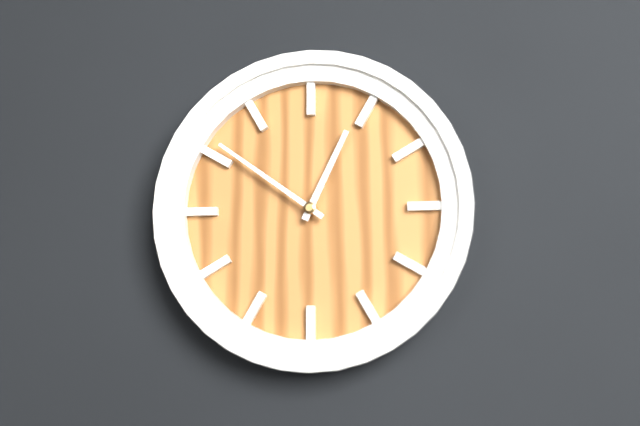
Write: h=12 m=51
